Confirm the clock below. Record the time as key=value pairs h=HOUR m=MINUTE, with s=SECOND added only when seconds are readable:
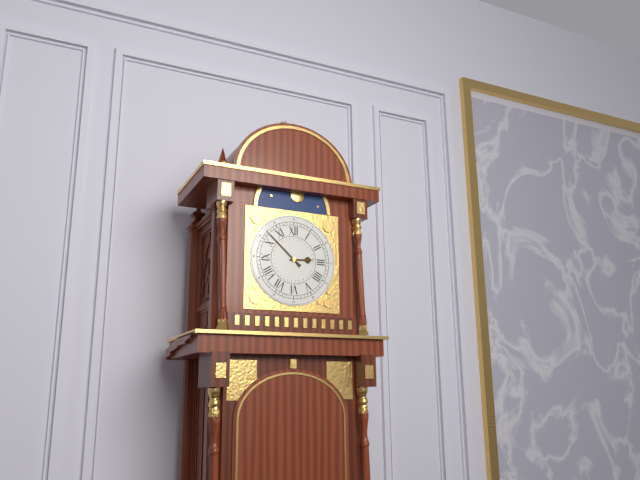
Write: h=2 m=52
